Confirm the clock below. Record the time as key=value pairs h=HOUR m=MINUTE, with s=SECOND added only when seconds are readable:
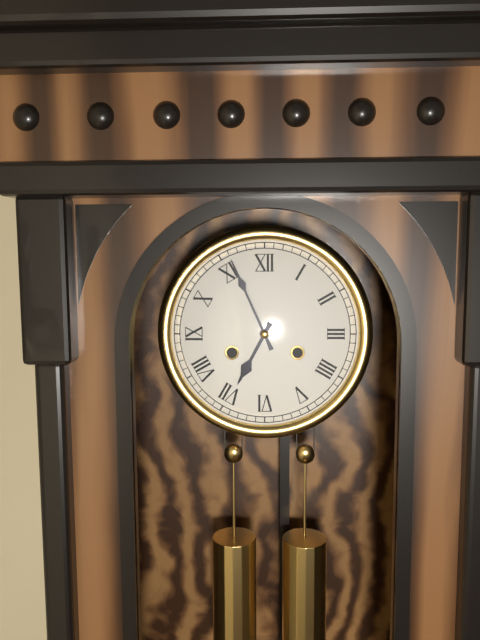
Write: h=6 m=56
